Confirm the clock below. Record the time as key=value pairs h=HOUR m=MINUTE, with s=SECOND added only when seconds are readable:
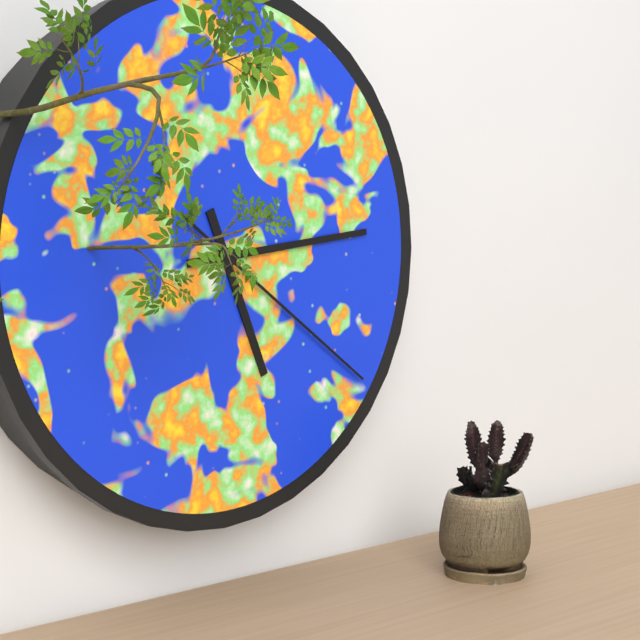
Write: h=5 m=14 s=21
